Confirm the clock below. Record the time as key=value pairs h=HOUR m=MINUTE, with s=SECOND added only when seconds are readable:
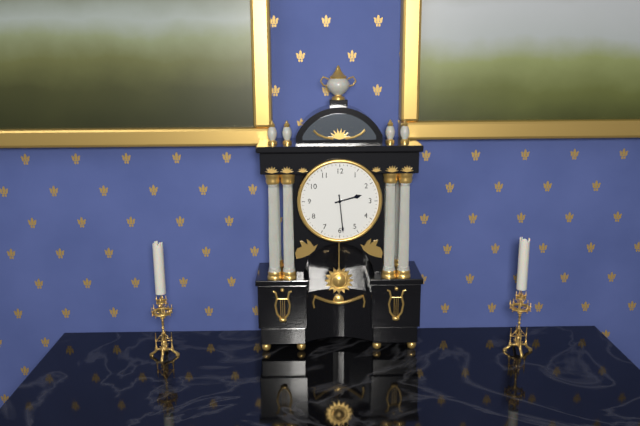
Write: h=2 m=29
